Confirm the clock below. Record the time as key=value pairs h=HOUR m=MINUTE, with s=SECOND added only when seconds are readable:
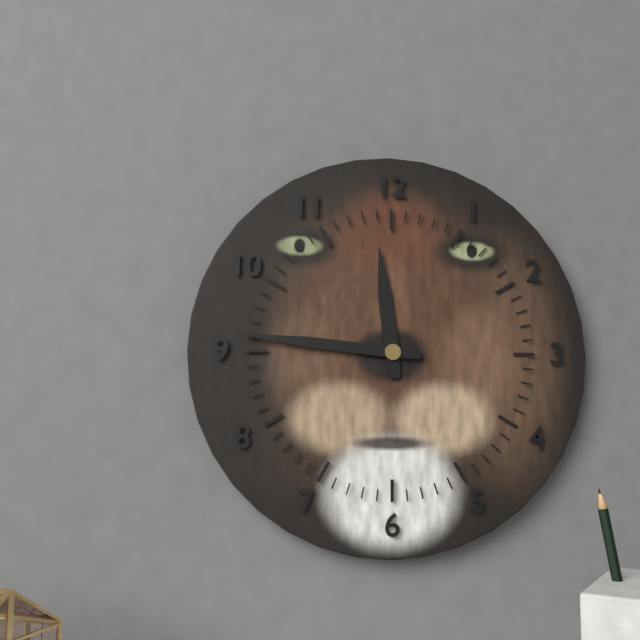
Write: h=11 m=46
